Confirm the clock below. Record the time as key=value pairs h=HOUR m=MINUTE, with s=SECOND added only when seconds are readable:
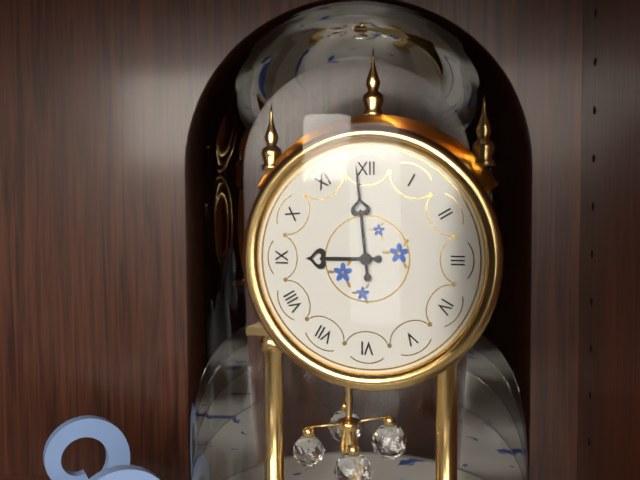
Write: h=8 m=59
